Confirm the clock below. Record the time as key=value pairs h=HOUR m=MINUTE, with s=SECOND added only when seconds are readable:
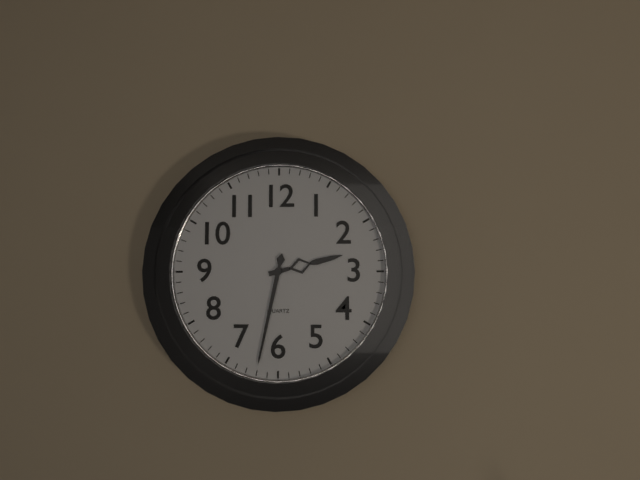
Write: h=2 m=32
